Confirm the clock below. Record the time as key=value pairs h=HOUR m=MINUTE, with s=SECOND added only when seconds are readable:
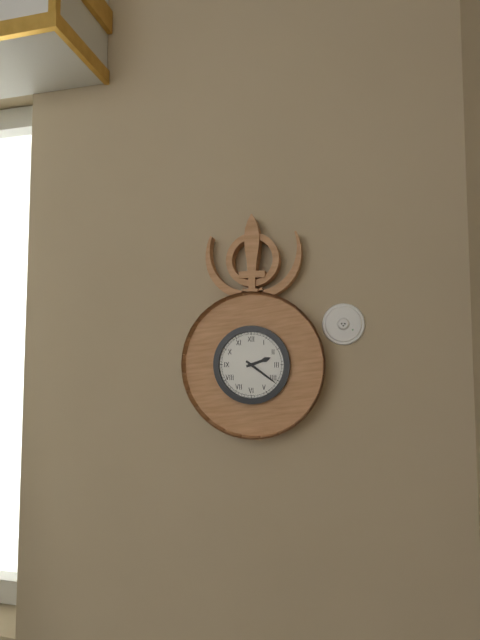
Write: h=2 m=21
